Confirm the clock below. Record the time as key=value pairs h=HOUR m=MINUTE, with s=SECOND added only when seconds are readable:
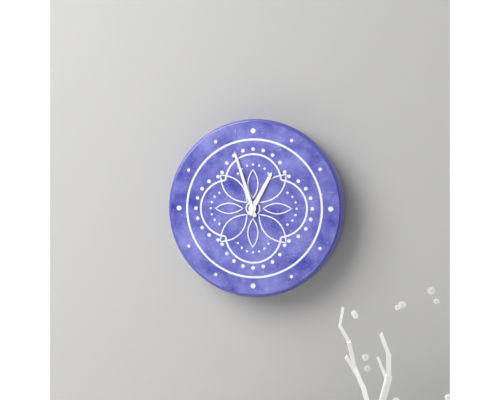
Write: h=12 m=57
